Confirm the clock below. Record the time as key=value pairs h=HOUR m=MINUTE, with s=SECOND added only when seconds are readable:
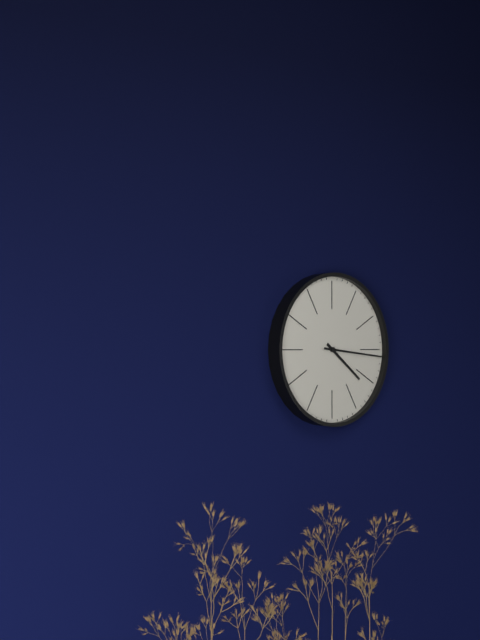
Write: h=4 m=16
